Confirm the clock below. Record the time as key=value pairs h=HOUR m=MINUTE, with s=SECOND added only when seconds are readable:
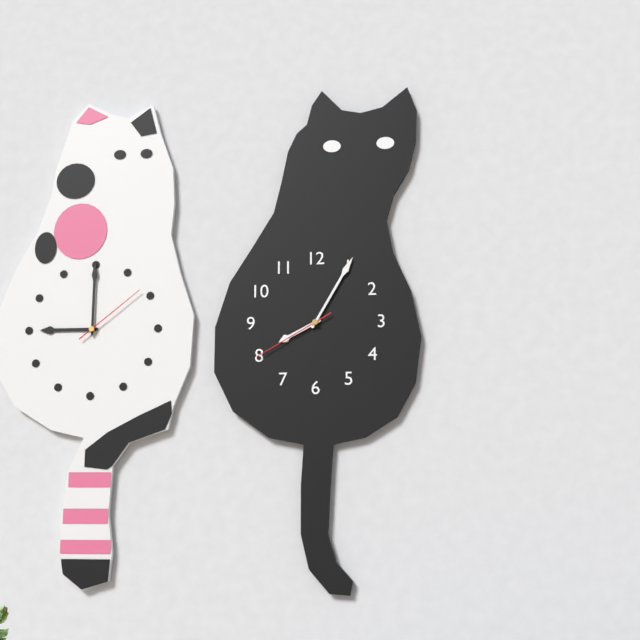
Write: h=8 m=5 s=40
